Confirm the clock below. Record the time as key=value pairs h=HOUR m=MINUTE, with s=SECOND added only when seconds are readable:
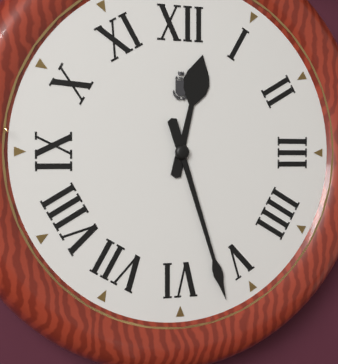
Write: h=12 m=27
